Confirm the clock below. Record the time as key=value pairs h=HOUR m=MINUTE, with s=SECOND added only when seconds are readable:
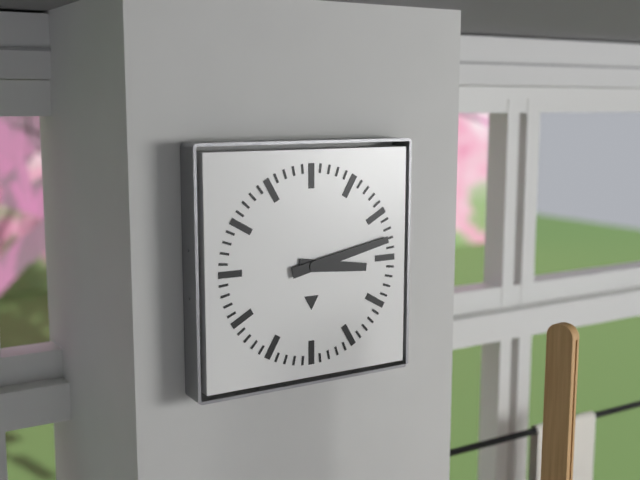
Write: h=3 m=13
